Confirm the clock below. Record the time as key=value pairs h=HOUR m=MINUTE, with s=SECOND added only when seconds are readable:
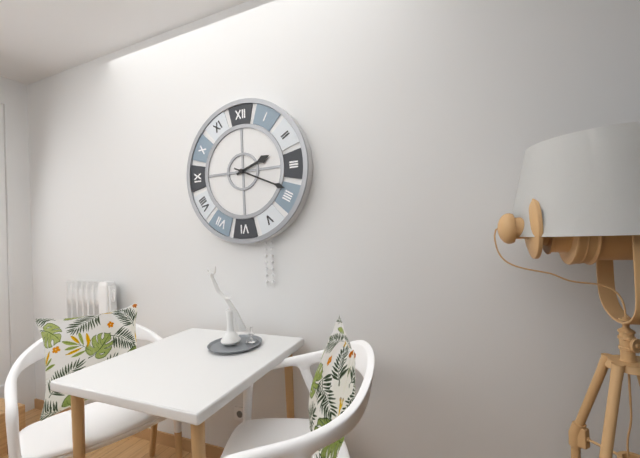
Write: h=2 m=19
